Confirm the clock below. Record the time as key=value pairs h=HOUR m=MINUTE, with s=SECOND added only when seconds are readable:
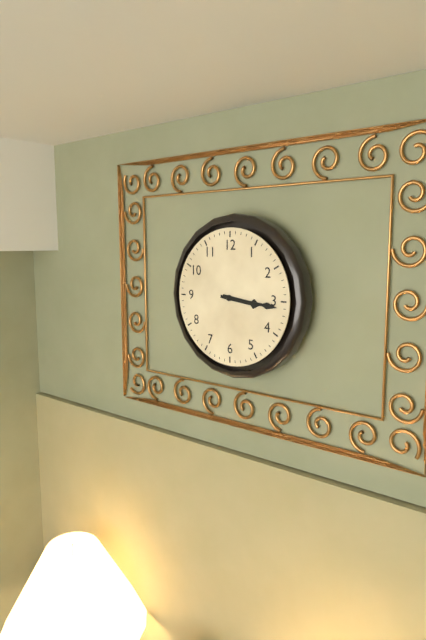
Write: h=3 m=16
